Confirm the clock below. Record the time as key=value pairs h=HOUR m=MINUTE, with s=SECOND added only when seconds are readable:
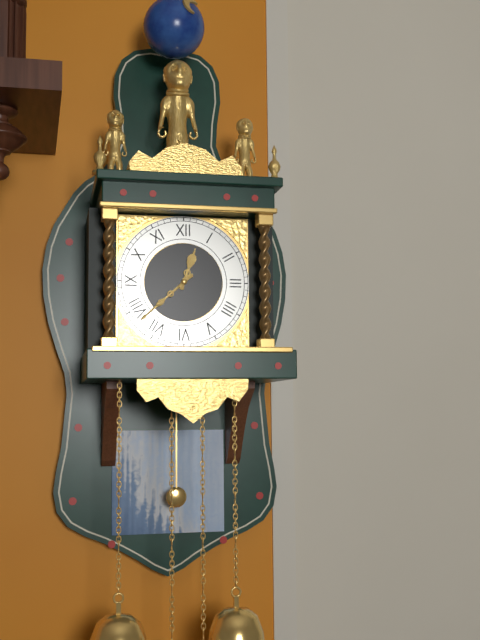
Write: h=12 m=38
